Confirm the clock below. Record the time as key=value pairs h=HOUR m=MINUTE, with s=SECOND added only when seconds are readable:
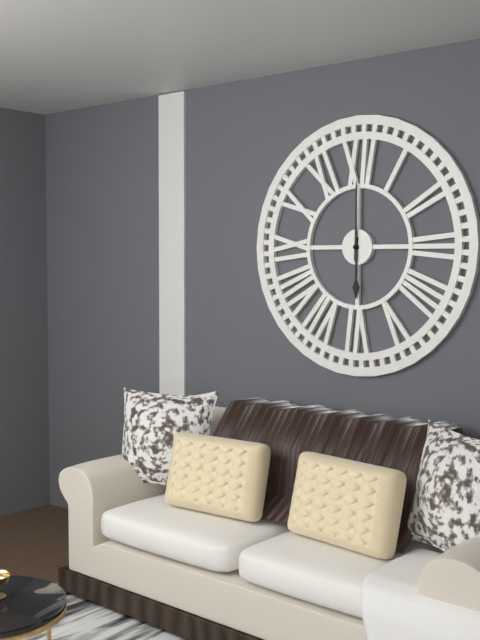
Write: h=6 m=0
